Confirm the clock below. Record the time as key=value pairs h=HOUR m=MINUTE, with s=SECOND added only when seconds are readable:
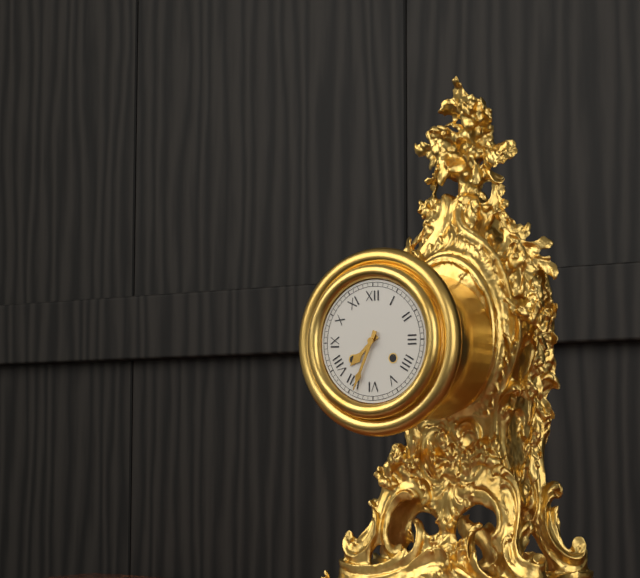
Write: h=7 m=34
